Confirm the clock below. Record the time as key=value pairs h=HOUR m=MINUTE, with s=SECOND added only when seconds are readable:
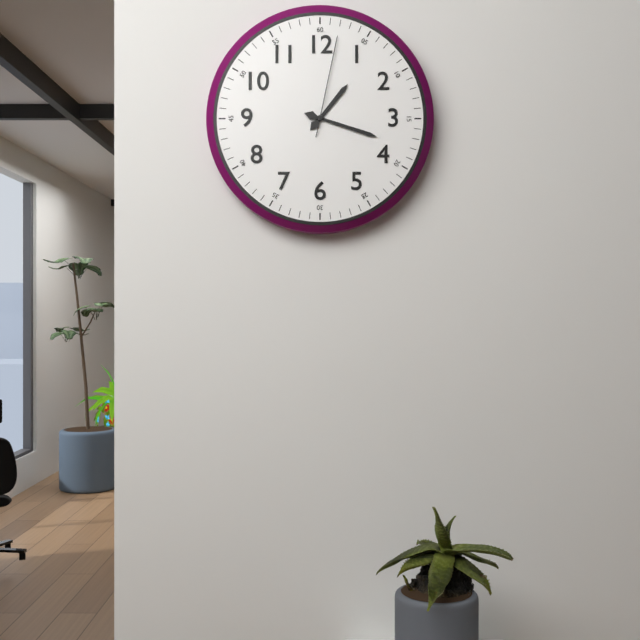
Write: h=1 m=18 s=2
